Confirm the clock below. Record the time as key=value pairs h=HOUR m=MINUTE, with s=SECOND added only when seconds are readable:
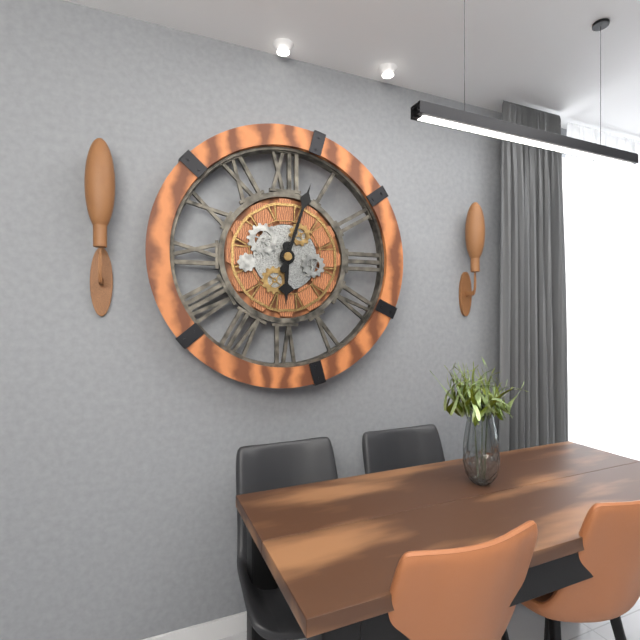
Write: h=6 m=3
